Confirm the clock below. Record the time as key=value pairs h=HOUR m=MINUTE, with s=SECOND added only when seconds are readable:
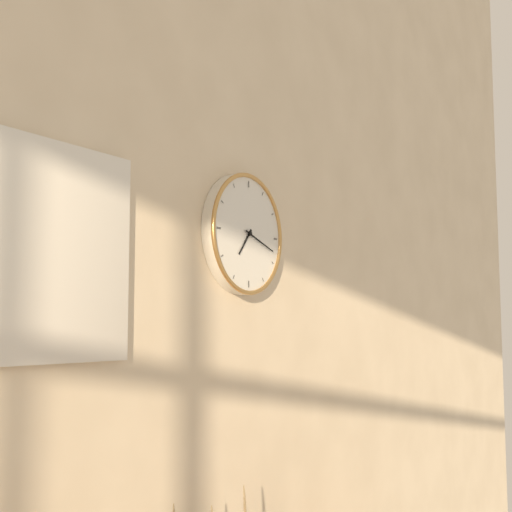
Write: h=7 m=18
